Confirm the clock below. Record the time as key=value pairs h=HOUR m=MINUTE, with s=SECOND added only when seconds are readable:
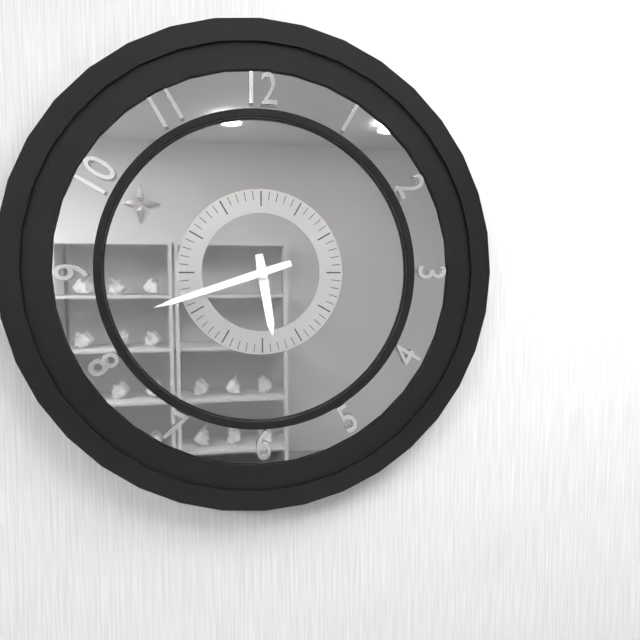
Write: h=5 m=42
